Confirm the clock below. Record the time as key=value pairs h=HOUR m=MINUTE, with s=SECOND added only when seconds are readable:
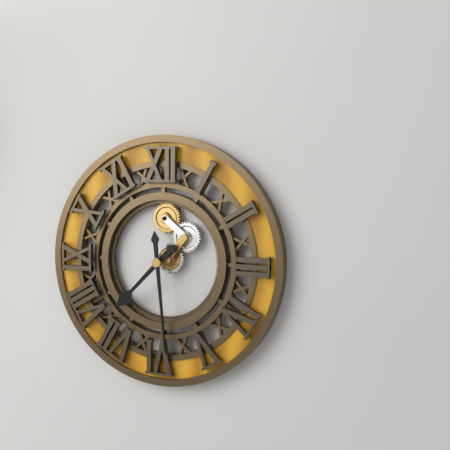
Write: h=7 m=29
